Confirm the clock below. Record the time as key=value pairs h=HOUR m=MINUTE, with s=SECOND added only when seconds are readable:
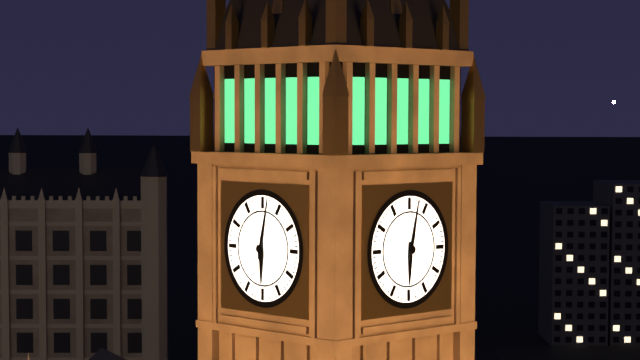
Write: h=6 m=2
